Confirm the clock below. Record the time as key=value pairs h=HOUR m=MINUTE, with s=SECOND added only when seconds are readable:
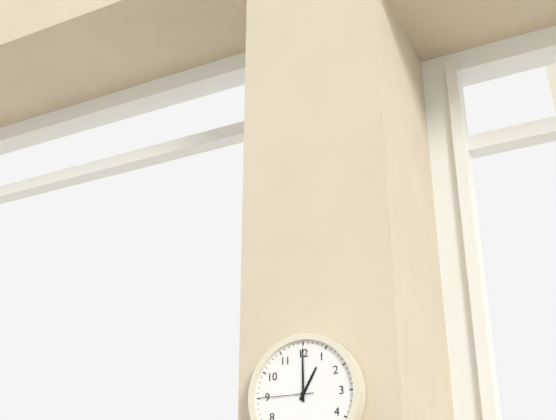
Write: h=1 m=0 s=45
